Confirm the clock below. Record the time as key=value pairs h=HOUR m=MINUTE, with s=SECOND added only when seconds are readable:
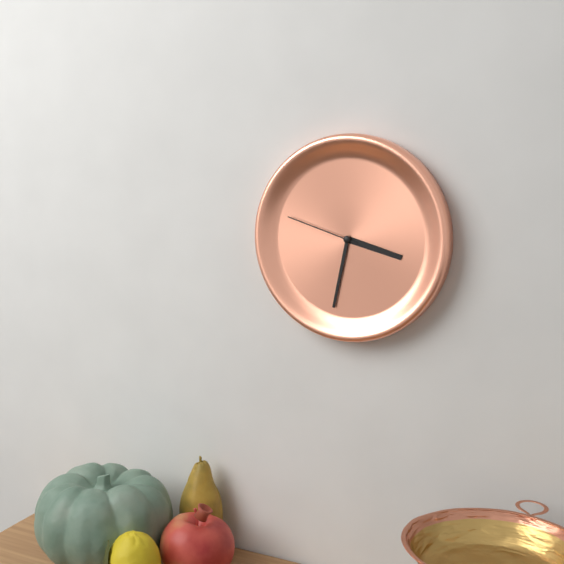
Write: h=3 m=32 s=48
